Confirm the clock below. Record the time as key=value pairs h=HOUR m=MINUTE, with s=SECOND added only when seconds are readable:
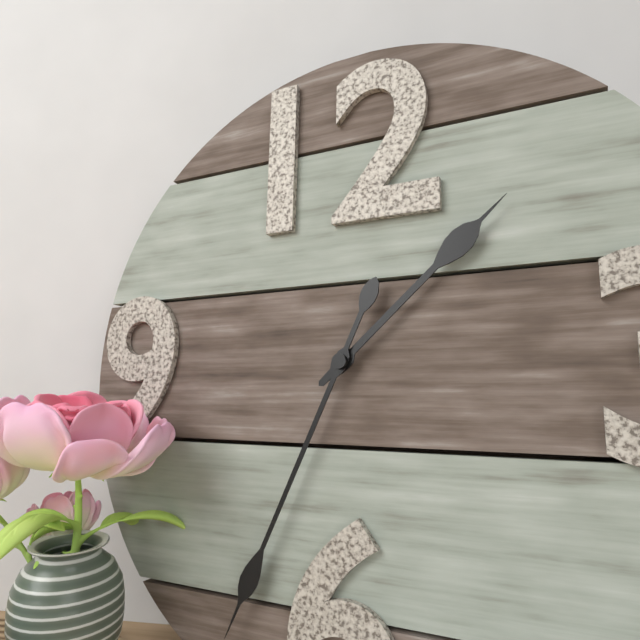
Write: h=1 m=34
